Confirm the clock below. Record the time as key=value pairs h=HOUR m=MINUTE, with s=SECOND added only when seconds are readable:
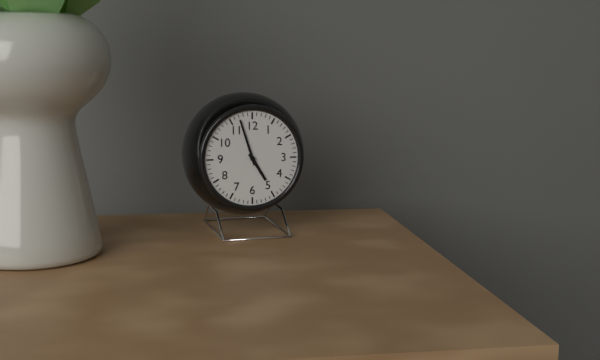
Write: h=4 m=57
